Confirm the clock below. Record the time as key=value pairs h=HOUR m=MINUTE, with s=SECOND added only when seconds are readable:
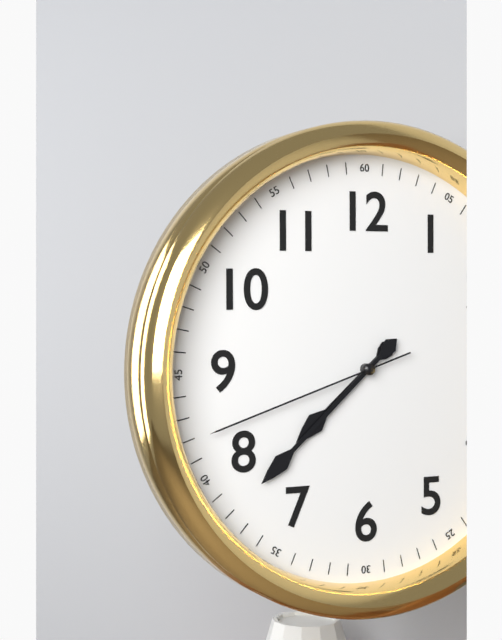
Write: h=7 m=38 s=42
